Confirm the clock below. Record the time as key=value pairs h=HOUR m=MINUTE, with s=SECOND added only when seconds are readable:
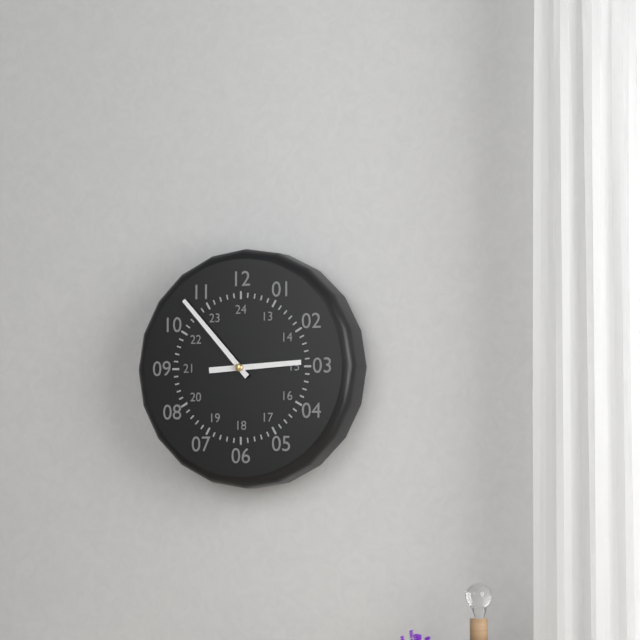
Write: h=2 m=53
